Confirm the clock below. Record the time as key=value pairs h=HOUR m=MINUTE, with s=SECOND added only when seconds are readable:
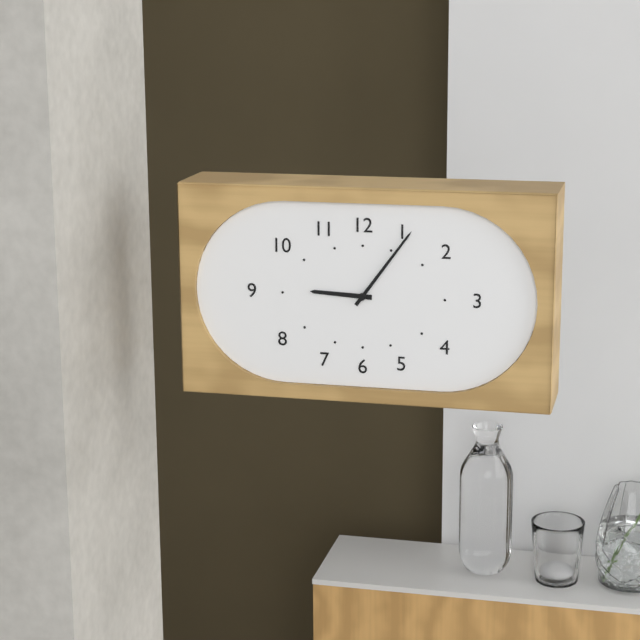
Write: h=9 m=6
